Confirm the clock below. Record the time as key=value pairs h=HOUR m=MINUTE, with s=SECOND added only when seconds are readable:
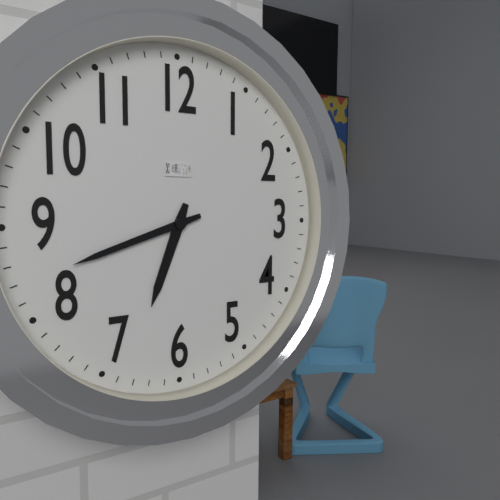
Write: h=6 m=42
